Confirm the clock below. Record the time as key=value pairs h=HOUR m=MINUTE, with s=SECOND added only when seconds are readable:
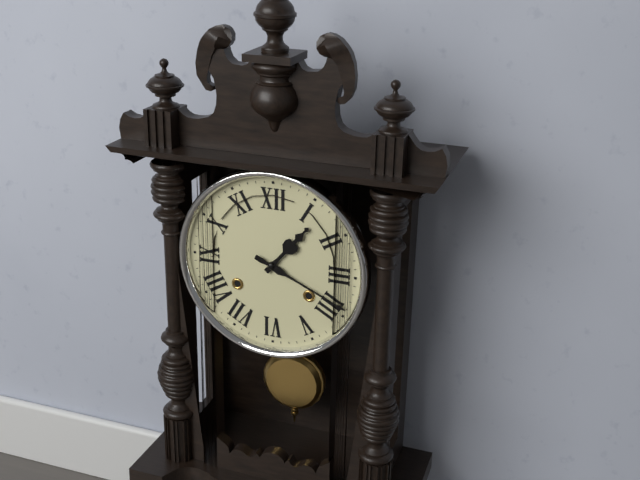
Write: h=1 m=19
